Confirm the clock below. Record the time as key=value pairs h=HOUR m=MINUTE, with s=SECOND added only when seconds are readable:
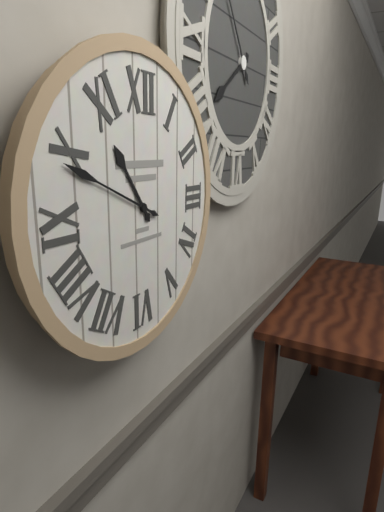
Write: h=10 m=49
